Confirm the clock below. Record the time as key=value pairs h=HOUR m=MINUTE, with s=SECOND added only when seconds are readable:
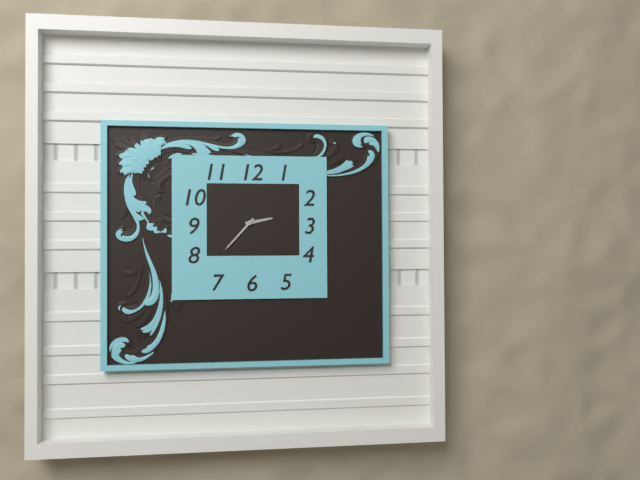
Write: h=2 m=37
